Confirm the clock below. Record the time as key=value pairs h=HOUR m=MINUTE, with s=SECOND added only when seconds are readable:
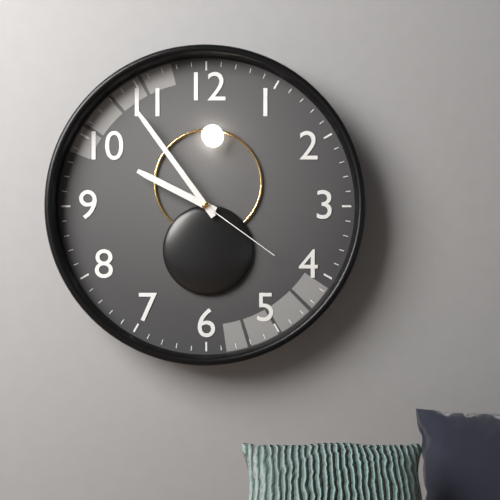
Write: h=9 m=54 s=21
